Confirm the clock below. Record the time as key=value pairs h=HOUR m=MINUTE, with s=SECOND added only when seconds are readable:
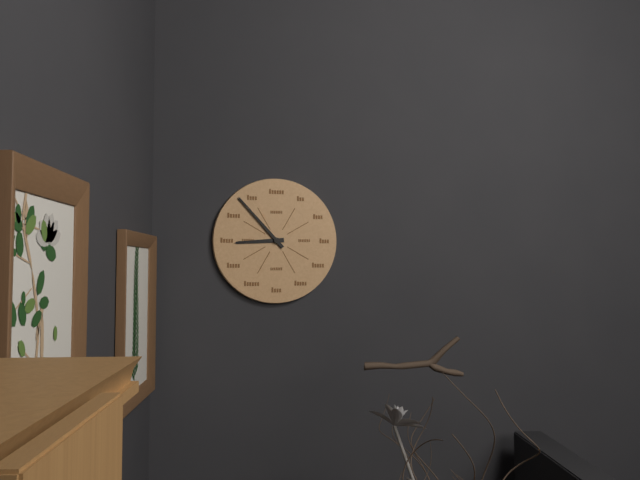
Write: h=8 m=53
